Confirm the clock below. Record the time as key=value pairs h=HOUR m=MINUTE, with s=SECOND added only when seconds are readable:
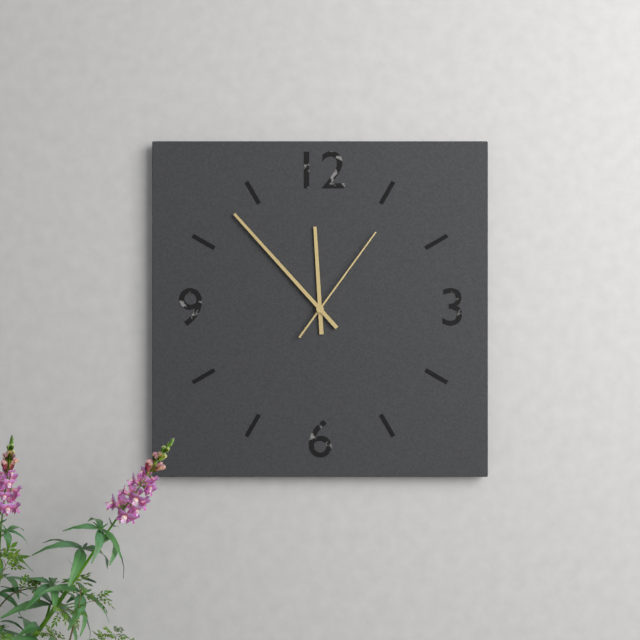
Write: h=11 m=53 s=6
